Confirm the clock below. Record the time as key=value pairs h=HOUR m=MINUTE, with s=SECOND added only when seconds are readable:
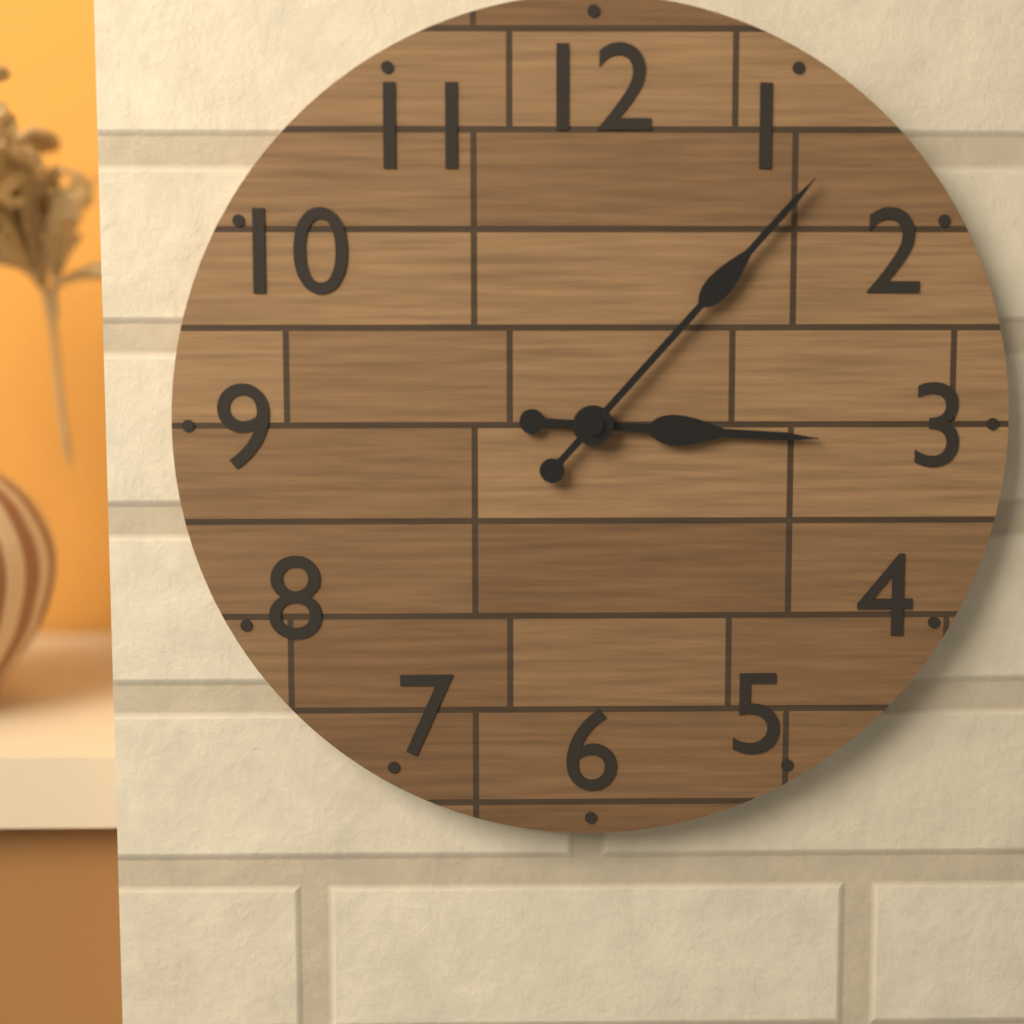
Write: h=3 m=7
